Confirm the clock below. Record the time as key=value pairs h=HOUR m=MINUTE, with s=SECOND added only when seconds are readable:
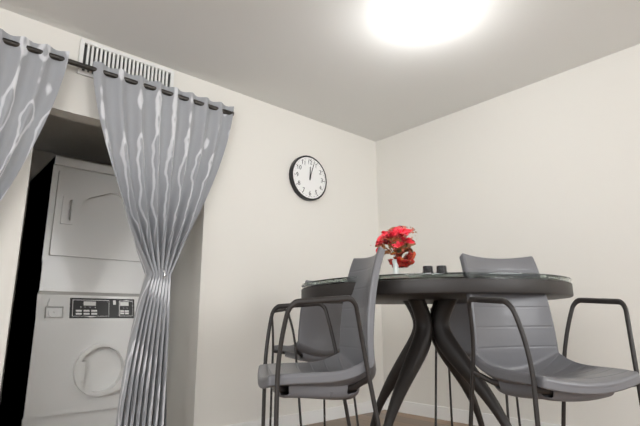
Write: h=12 m=3
